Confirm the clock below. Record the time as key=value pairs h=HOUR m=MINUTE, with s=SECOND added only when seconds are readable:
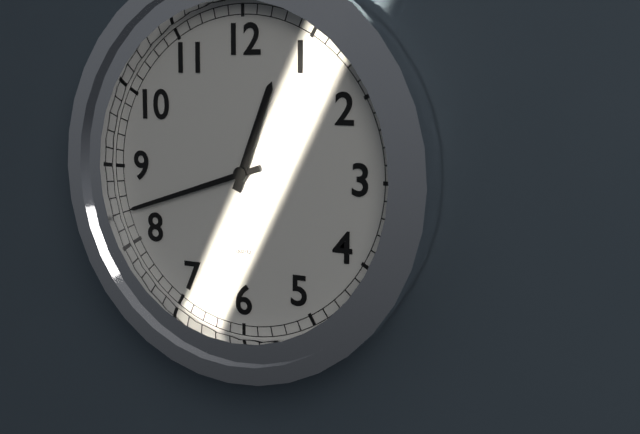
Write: h=12 m=42
